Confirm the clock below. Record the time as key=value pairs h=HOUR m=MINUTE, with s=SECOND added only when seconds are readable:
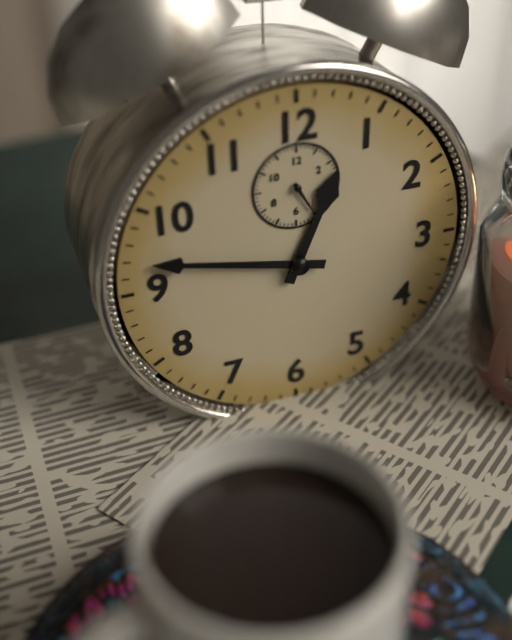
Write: h=12 m=47
